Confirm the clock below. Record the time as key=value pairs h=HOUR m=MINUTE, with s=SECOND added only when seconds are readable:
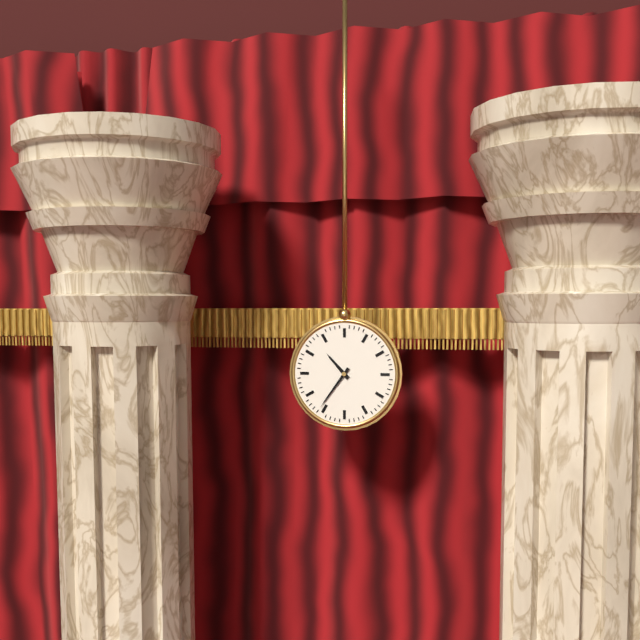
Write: h=10 m=36
